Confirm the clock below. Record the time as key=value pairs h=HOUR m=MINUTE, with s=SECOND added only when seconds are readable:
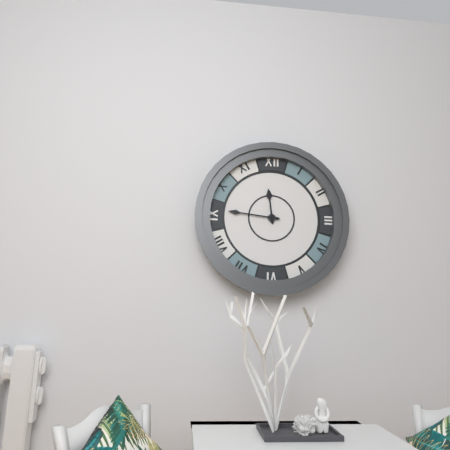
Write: h=11 m=46
